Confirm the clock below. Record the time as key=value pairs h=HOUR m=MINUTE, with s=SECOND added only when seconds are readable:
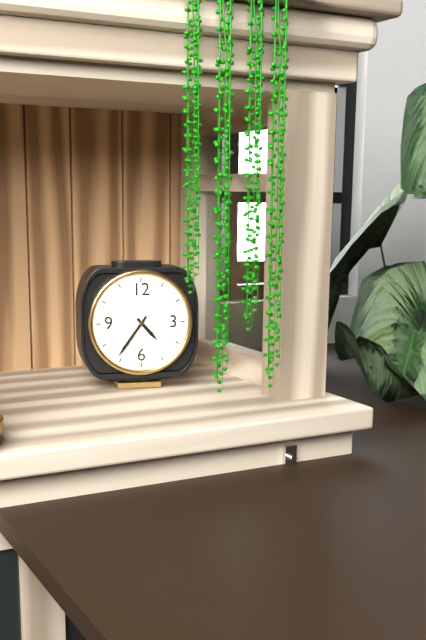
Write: h=4 m=36
